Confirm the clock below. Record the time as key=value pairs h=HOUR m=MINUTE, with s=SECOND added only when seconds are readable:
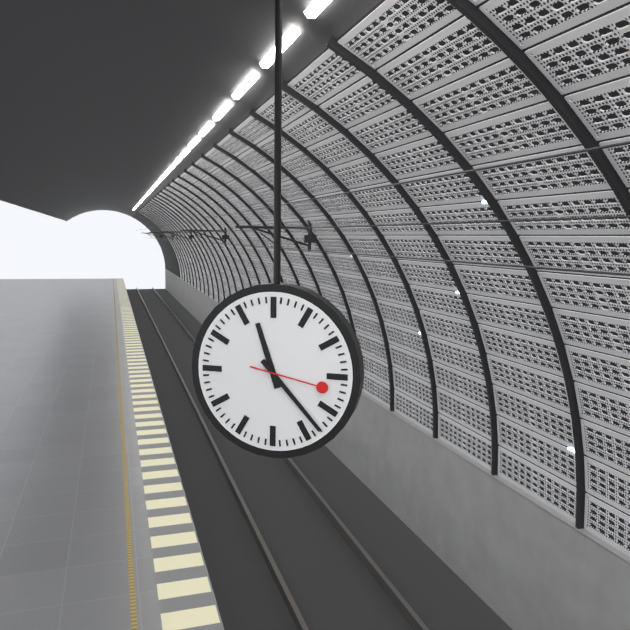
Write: h=11 m=23 s=17
